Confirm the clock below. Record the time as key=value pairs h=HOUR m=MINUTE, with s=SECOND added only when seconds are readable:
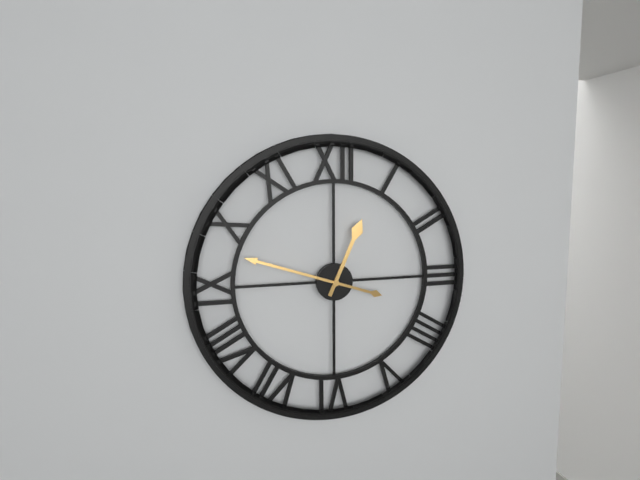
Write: h=12 m=48
